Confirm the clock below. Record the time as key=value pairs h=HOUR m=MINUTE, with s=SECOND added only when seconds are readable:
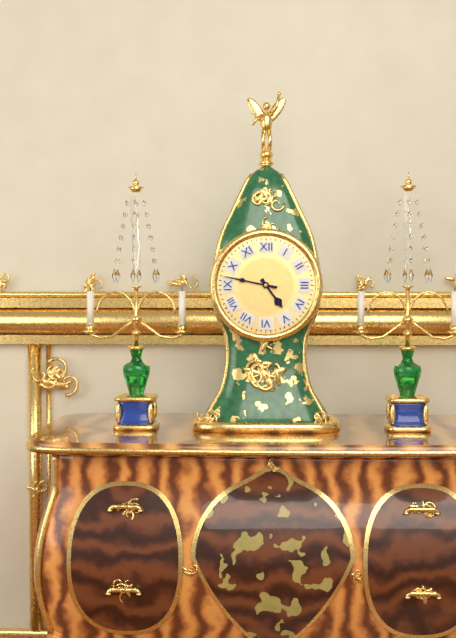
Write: h=4 m=47
